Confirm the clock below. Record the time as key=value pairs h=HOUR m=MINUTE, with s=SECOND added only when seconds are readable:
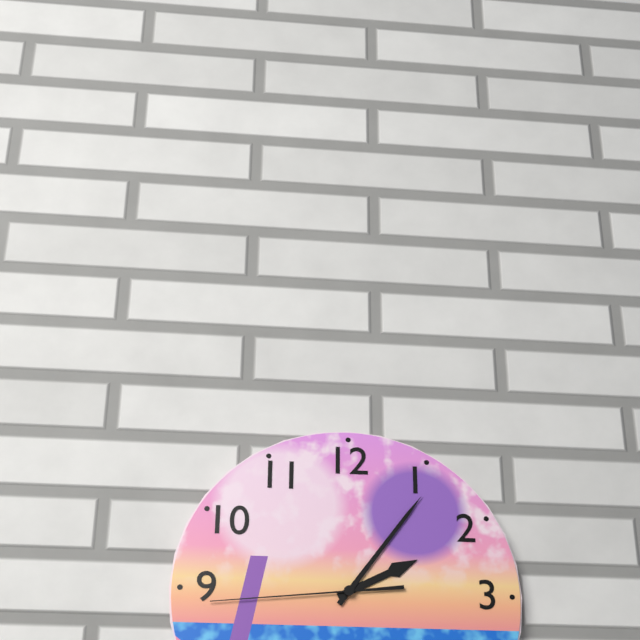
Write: h=2 m=6 s=44
